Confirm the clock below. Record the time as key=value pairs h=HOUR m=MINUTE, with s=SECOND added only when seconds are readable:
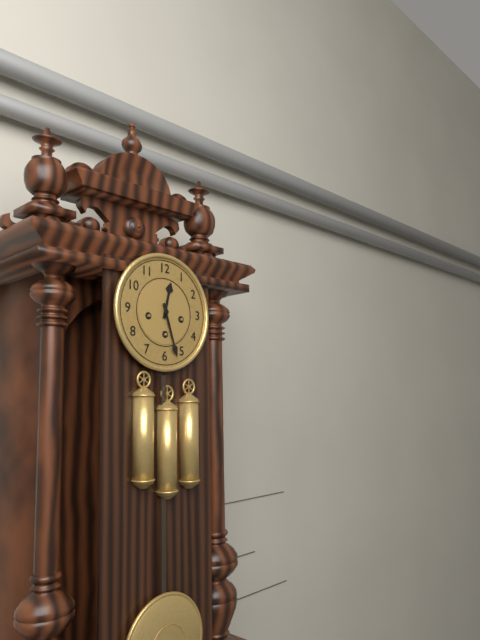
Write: h=12 m=27
